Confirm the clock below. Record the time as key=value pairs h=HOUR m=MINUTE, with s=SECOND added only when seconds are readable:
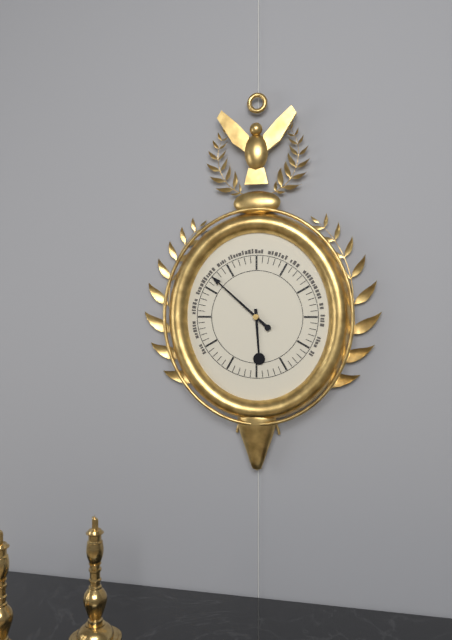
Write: h=5 m=52
